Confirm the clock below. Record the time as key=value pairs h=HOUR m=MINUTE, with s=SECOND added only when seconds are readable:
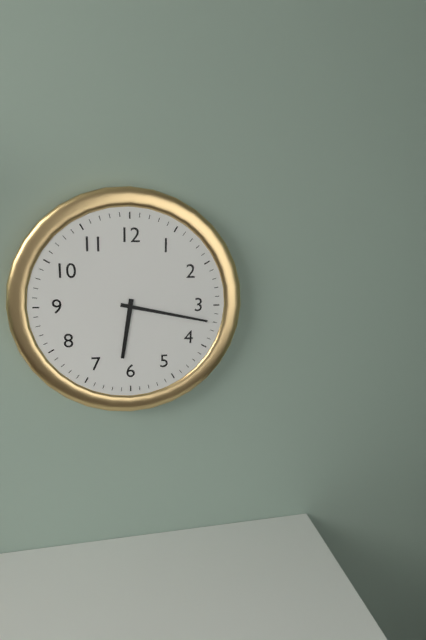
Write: h=6 m=17
